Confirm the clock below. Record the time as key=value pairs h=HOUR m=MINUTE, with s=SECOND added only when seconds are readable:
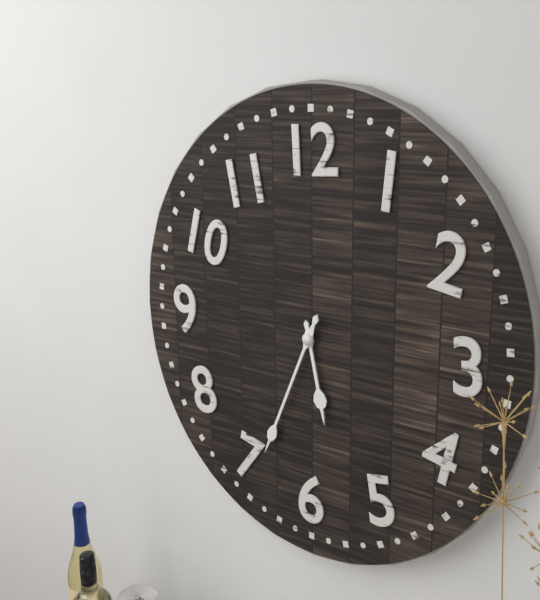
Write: h=5 m=34
